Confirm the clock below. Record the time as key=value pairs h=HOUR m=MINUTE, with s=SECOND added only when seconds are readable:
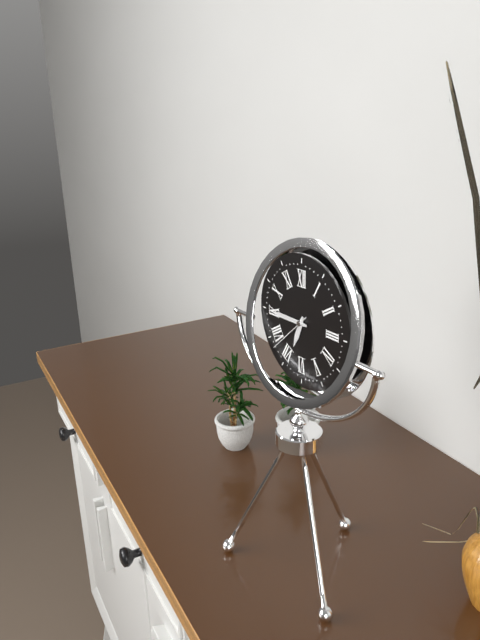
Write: h=6 m=45
